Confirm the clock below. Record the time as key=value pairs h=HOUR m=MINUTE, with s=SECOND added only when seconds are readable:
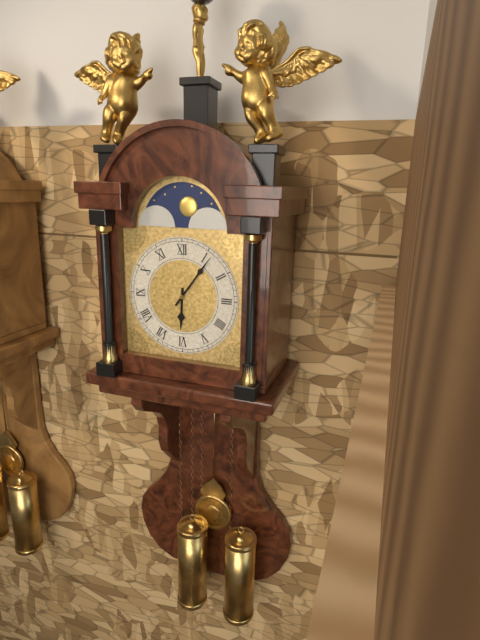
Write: h=6 m=6
